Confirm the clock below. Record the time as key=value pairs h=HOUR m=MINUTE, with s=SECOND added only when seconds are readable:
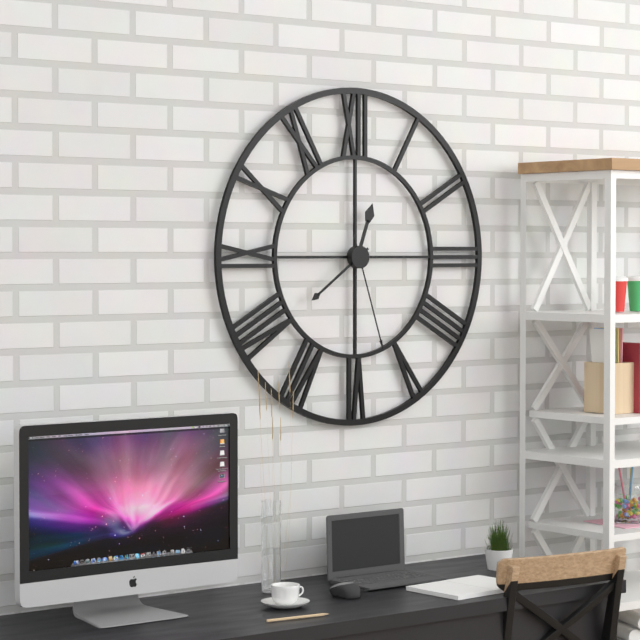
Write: h=12 m=39 s=27
